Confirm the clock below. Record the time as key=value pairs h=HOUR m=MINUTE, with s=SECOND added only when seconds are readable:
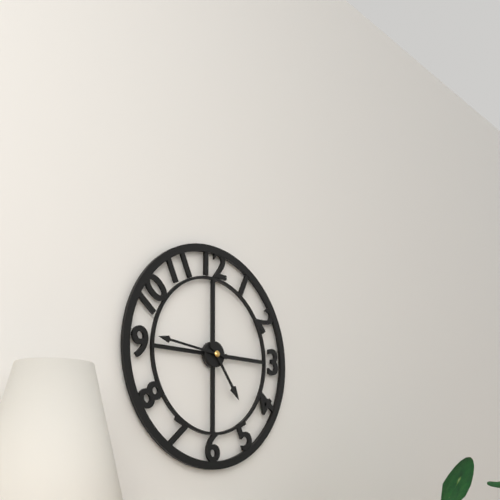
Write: h=4 m=46
